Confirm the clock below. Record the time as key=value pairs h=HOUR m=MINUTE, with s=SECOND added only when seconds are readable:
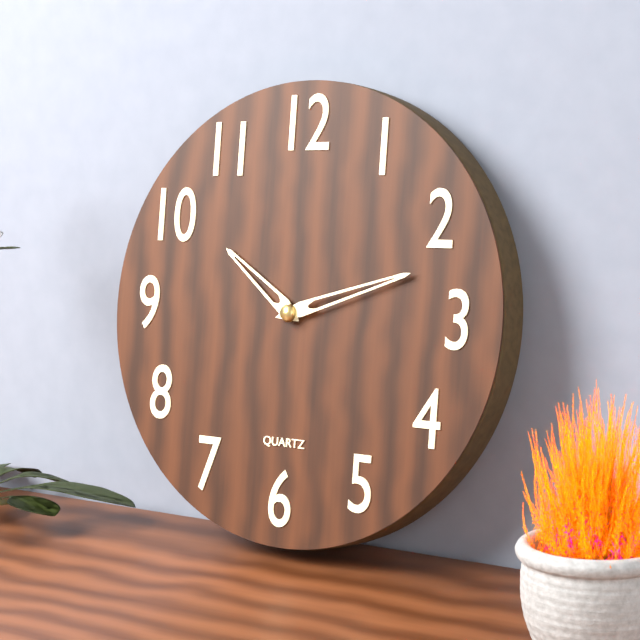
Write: h=10 m=12
